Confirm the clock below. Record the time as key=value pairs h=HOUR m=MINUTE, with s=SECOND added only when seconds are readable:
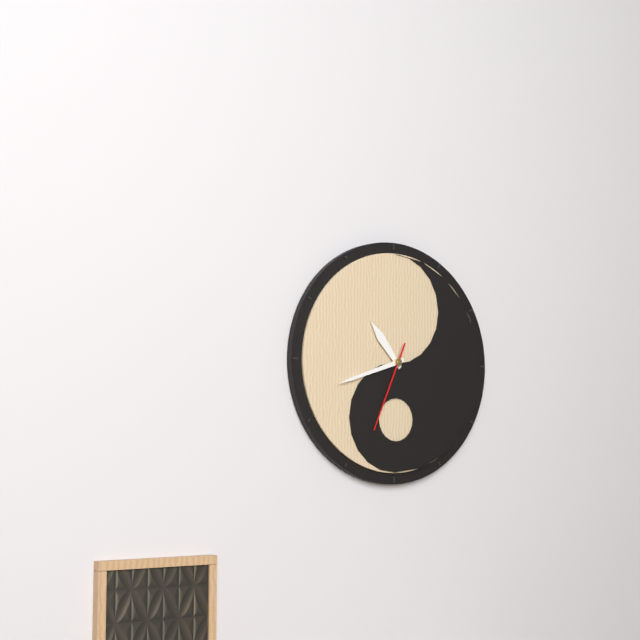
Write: h=10 m=42 s=34
